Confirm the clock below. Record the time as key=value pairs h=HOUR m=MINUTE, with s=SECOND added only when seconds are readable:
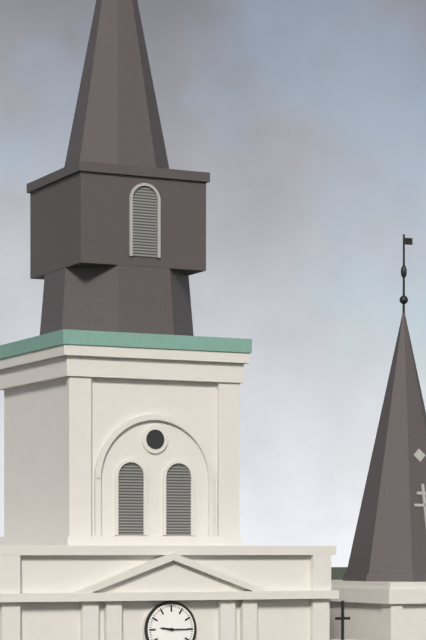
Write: h=9 m=15
